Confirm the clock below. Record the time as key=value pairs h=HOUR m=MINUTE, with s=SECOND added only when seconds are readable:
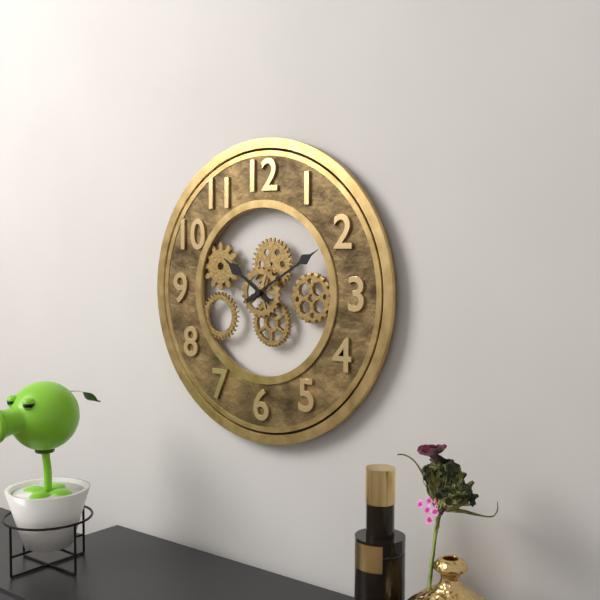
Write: h=10 m=10
